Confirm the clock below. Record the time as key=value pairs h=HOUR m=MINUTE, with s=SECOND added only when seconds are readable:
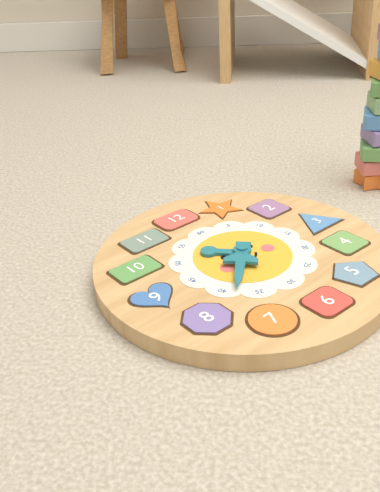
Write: h=10 m=38
